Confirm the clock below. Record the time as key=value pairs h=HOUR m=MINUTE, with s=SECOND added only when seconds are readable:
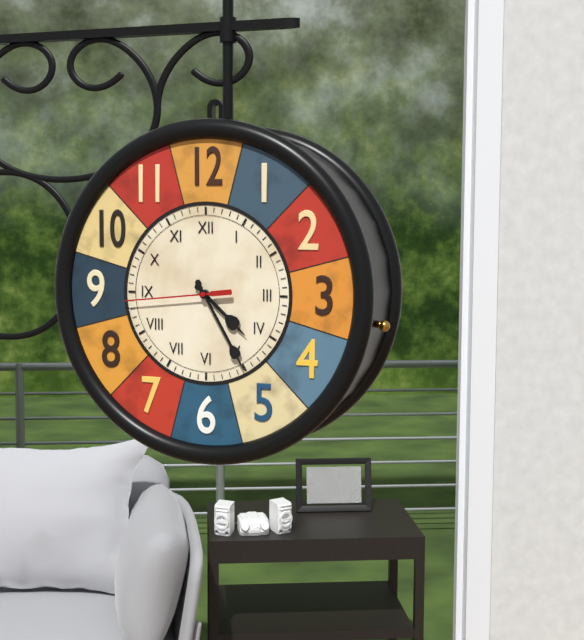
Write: h=4 m=25 s=44
